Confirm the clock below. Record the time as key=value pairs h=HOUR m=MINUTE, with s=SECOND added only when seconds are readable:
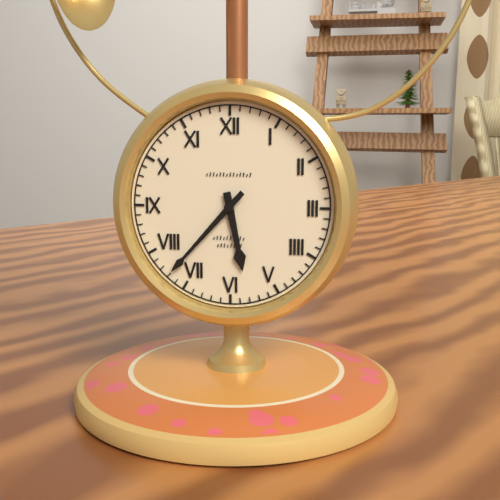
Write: h=5 m=37
